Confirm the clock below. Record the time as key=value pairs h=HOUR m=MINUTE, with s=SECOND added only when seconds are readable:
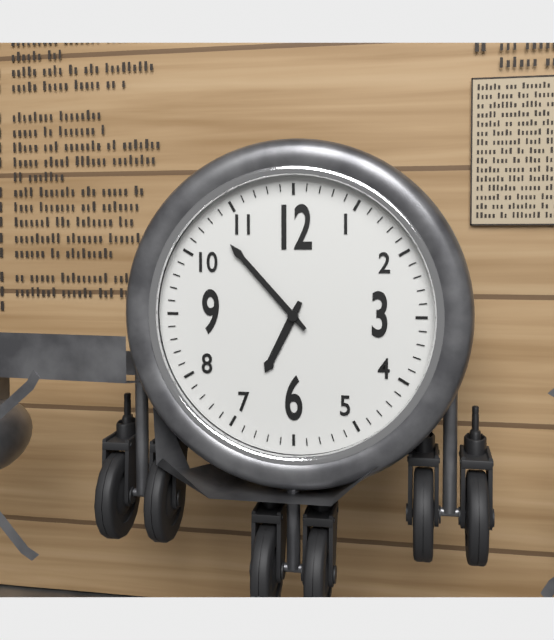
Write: h=6 m=53
